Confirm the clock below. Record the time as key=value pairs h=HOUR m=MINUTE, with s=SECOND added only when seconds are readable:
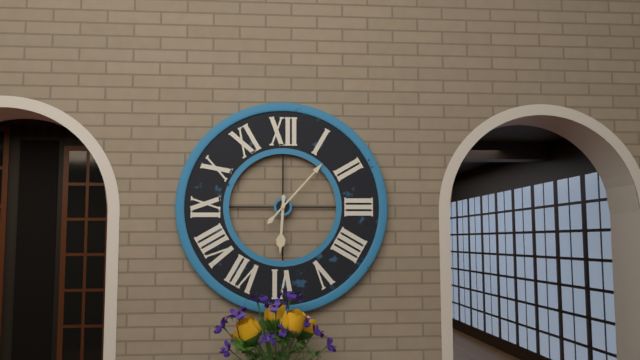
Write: h=6 m=7
